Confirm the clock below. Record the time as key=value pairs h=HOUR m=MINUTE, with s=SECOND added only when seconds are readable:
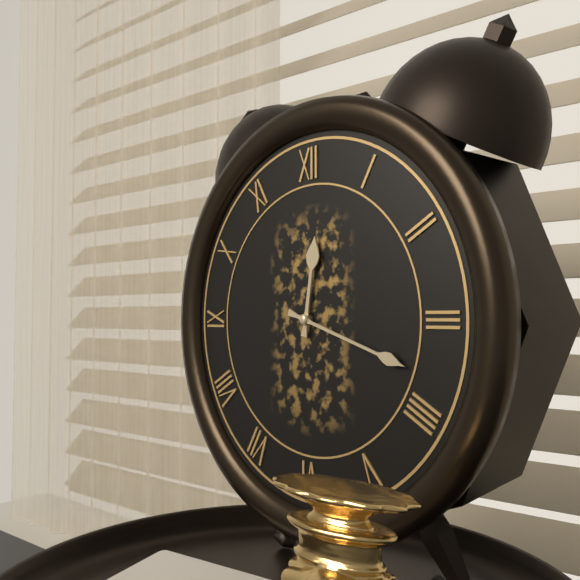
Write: h=12 m=18
